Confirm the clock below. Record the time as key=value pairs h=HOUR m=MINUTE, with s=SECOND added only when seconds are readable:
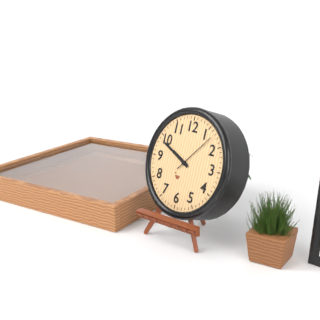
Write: h=9 m=49
